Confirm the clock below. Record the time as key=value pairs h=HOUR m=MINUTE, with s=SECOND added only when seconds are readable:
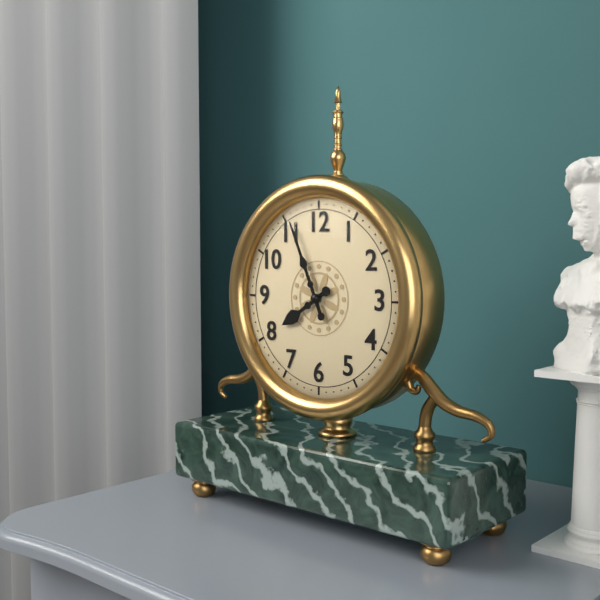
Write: h=7 m=56
